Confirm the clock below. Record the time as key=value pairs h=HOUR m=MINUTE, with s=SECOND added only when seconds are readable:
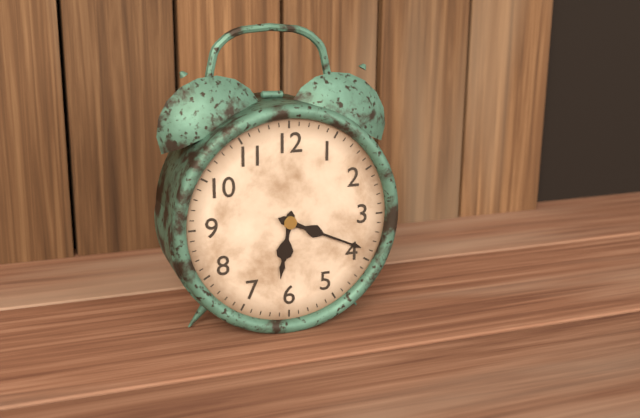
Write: h=6 m=19
